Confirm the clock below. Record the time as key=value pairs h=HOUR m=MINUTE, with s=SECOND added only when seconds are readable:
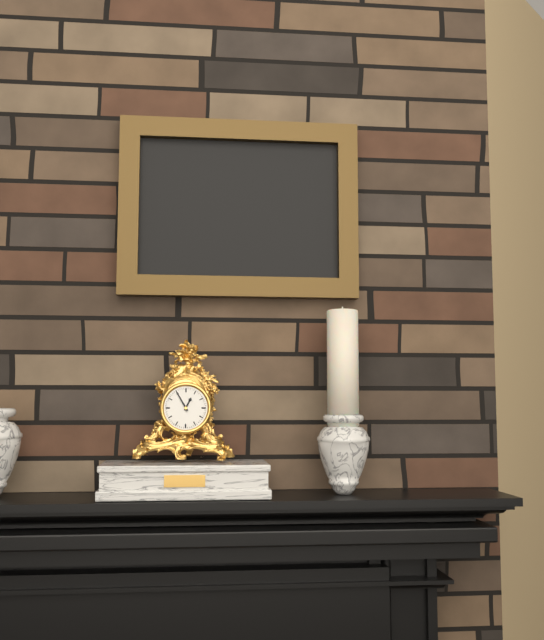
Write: h=12 m=55
